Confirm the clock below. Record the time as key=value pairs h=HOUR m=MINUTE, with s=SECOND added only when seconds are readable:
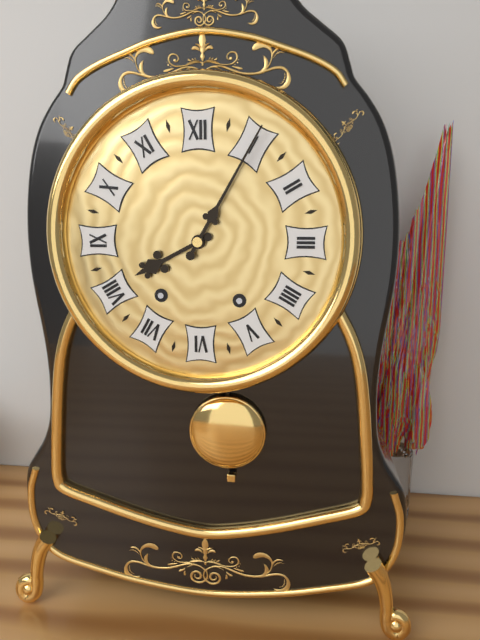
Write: h=8 m=5
